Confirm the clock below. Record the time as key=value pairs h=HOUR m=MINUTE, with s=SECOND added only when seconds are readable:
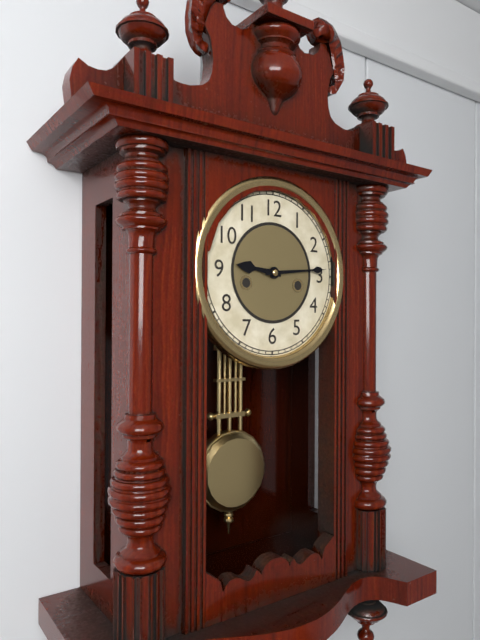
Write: h=9 m=14
